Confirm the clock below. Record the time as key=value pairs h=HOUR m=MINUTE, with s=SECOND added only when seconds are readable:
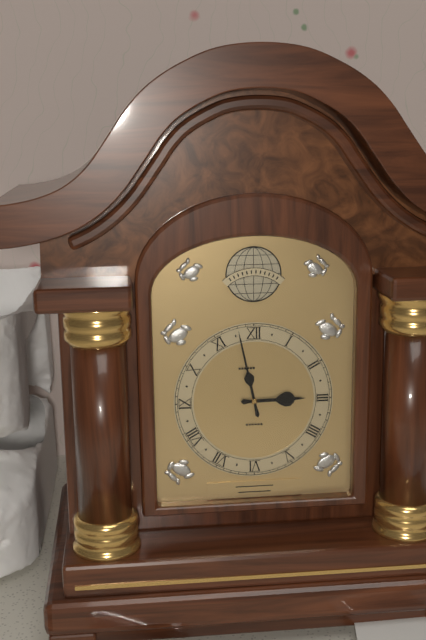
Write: h=2 m=58
